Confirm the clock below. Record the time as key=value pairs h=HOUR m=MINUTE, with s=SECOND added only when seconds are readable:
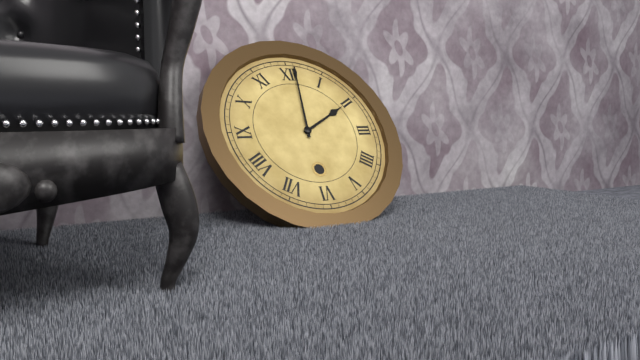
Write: h=2 m=1
